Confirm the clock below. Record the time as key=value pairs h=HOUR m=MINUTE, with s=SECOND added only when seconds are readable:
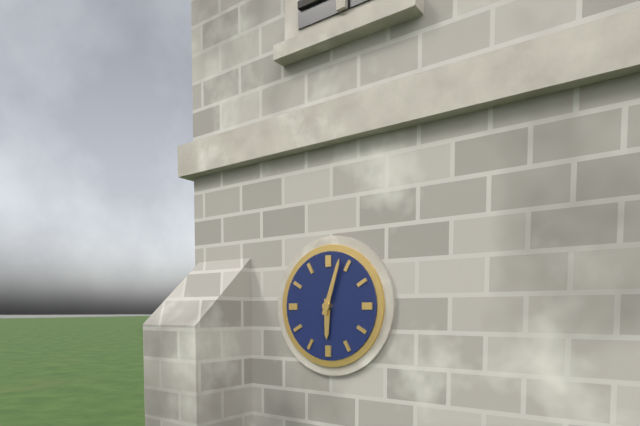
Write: h=6 m=3
